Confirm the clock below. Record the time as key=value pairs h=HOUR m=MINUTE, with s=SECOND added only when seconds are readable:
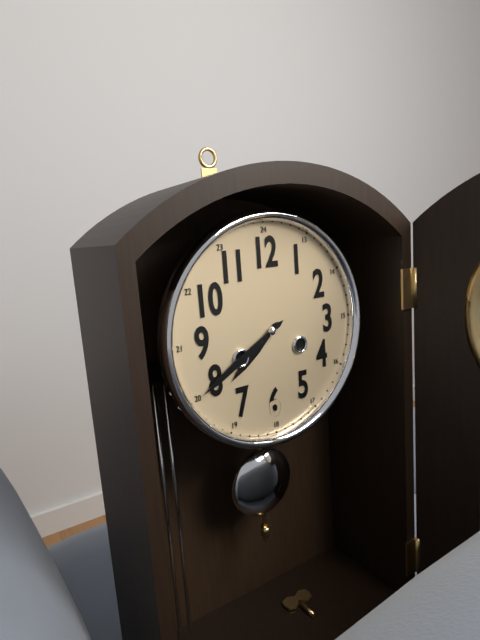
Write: h=7 m=40
